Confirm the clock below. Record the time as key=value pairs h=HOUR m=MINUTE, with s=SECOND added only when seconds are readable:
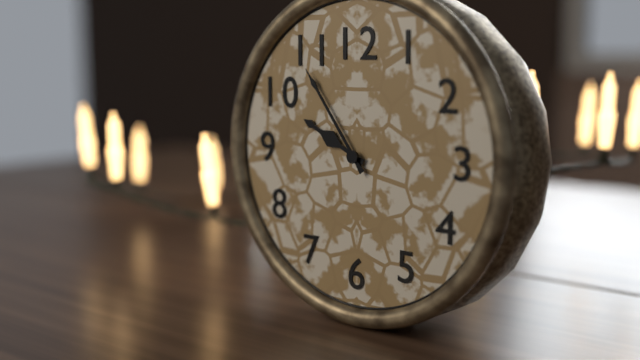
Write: h=9 m=54
